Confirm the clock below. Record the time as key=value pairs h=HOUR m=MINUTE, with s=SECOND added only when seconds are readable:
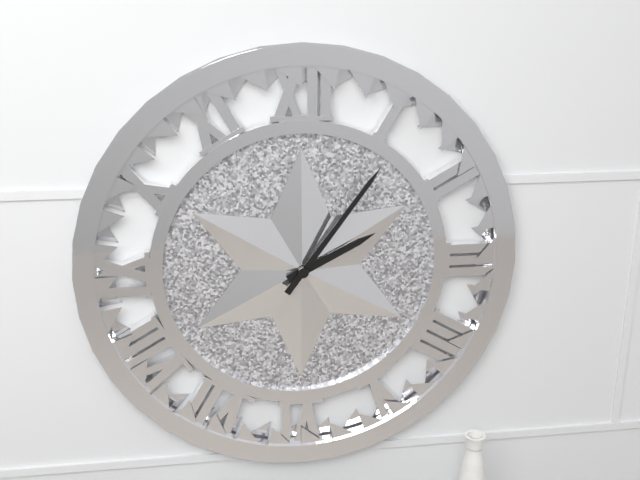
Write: h=2 m=6
